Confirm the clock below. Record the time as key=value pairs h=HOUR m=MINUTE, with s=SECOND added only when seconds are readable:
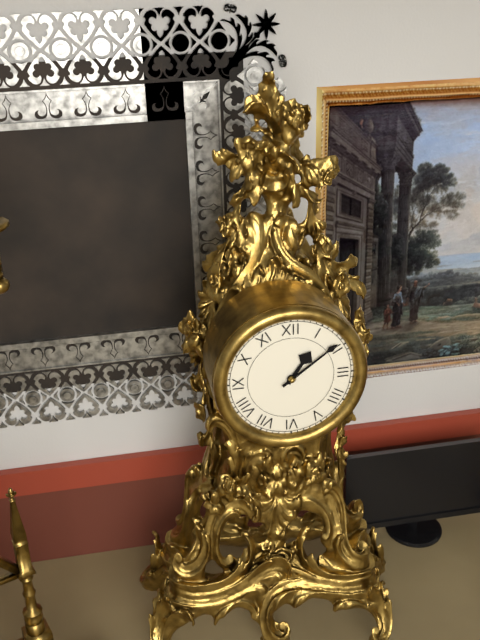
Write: h=1 m=9
